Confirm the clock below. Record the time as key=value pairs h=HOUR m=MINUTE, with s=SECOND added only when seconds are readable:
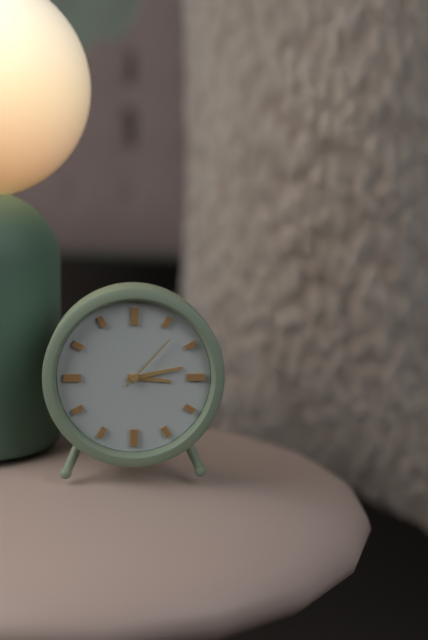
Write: h=3 m=13 s=7
